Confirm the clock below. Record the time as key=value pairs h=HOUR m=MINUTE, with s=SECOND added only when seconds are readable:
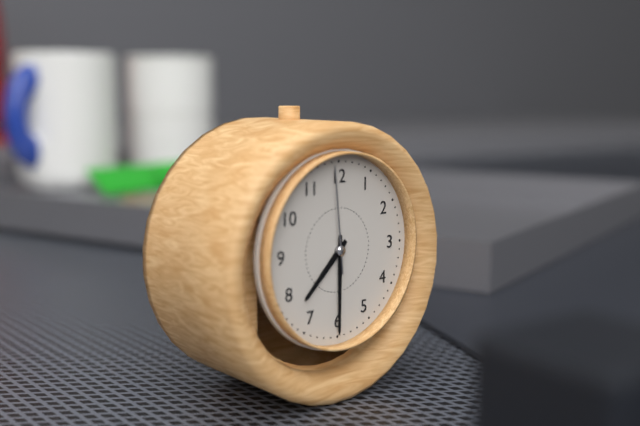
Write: h=7 m=30 s=59
